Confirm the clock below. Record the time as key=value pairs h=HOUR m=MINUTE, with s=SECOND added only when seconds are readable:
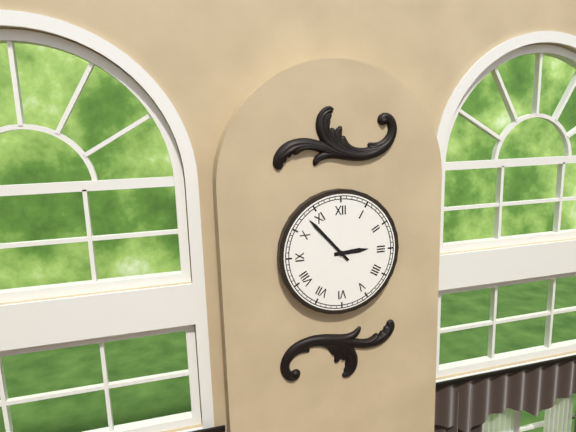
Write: h=2 m=53
